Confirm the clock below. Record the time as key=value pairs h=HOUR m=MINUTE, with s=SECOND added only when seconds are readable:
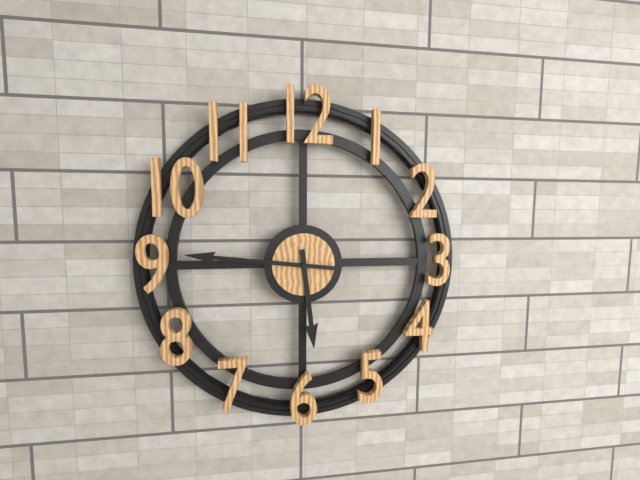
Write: h=5 m=46
